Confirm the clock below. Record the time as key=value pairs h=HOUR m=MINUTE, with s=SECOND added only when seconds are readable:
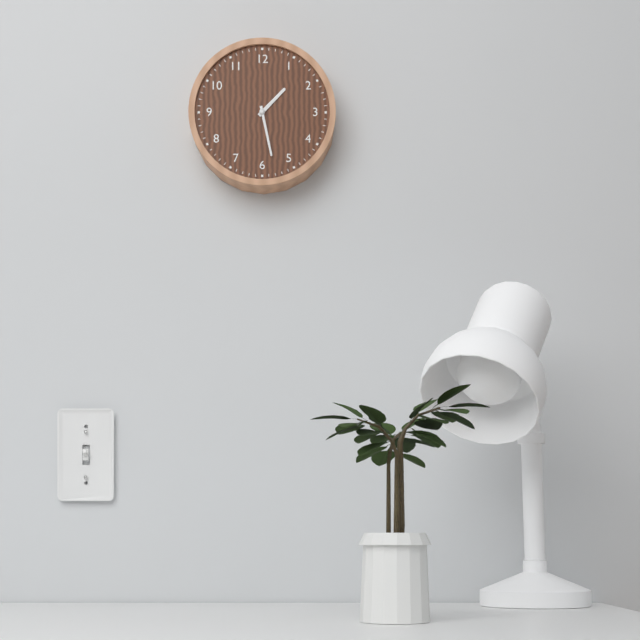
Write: h=1 m=28
